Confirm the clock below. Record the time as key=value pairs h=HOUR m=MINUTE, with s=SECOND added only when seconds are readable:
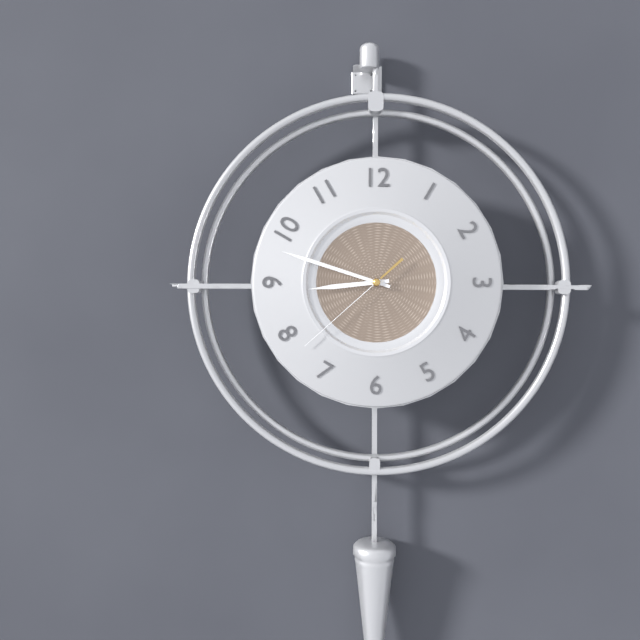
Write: h=8 m=48 s=38
